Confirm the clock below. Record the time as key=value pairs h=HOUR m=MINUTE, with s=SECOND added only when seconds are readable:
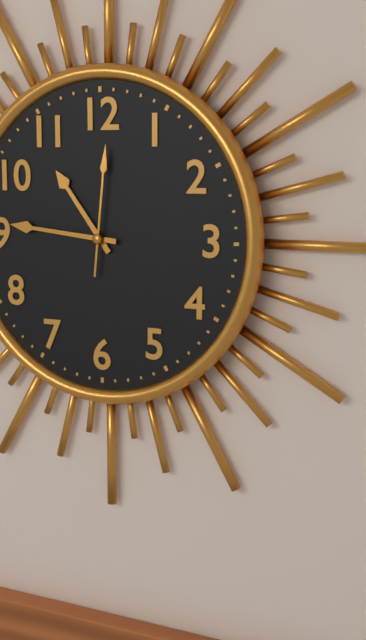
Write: h=10 m=46 s=1
